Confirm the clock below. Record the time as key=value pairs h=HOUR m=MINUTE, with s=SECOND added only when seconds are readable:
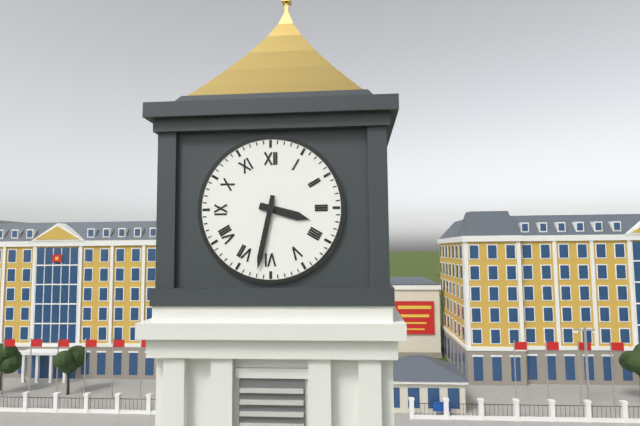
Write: h=3 m=32
